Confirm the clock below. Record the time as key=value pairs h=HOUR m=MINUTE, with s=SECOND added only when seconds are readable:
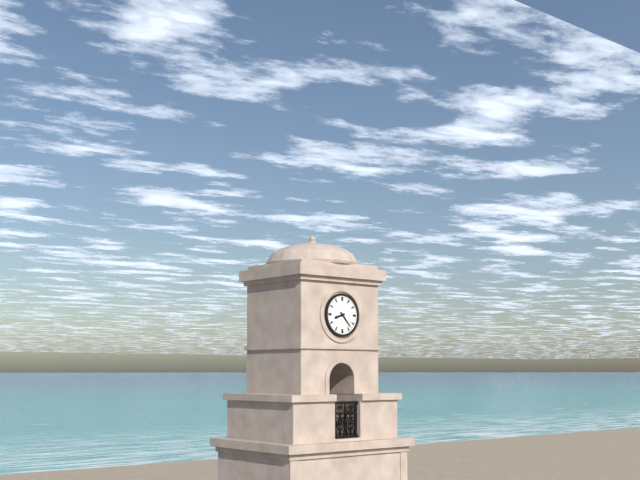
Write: h=8 m=23
